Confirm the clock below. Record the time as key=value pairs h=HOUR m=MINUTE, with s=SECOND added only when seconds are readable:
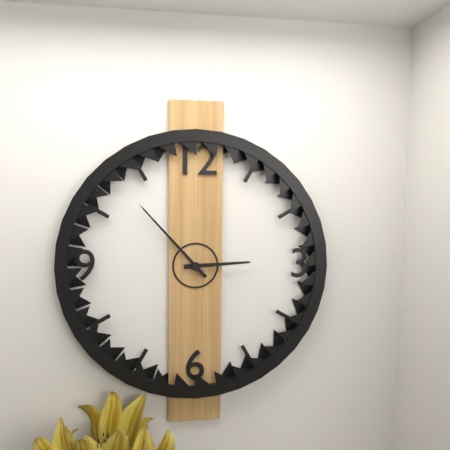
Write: h=2 m=53
